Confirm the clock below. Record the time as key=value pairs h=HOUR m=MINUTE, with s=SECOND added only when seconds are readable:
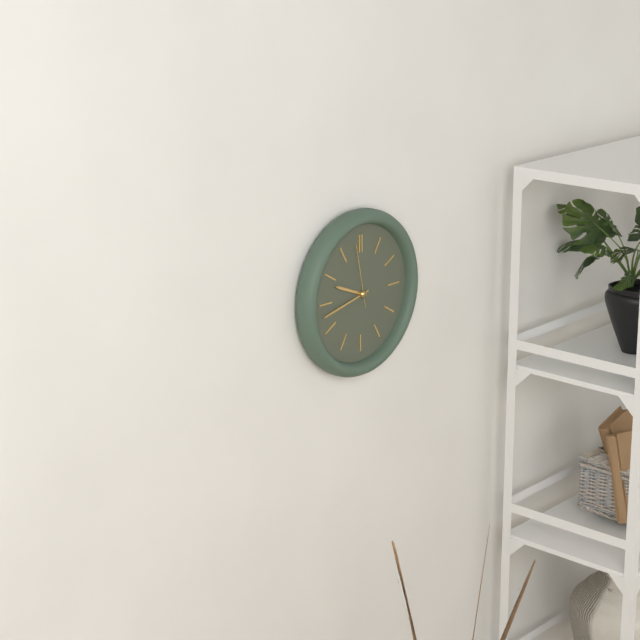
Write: h=9 m=43 s=58
